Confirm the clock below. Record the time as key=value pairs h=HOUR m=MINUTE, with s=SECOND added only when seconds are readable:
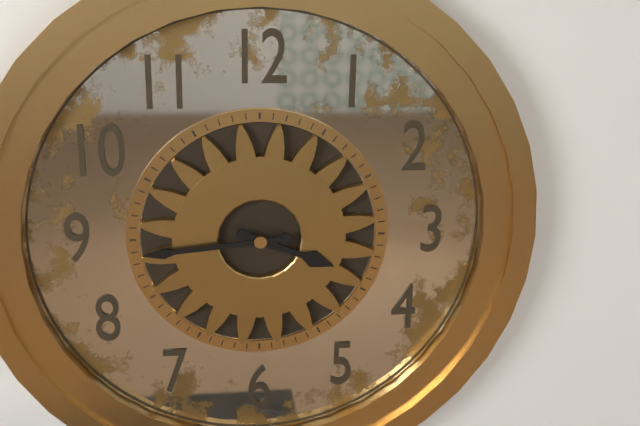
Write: h=3 m=44
